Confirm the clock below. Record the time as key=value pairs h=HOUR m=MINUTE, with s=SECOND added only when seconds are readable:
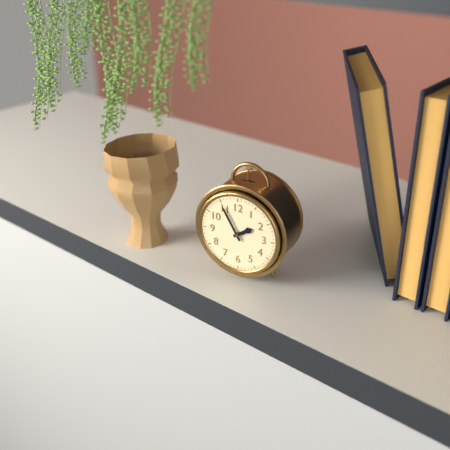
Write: h=1 m=55
